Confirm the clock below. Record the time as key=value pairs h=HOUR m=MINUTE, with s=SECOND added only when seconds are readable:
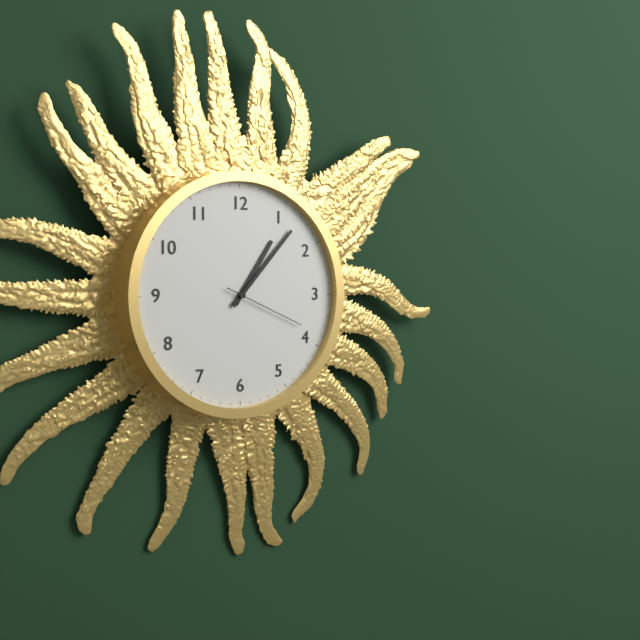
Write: h=1 m=7 s=19
